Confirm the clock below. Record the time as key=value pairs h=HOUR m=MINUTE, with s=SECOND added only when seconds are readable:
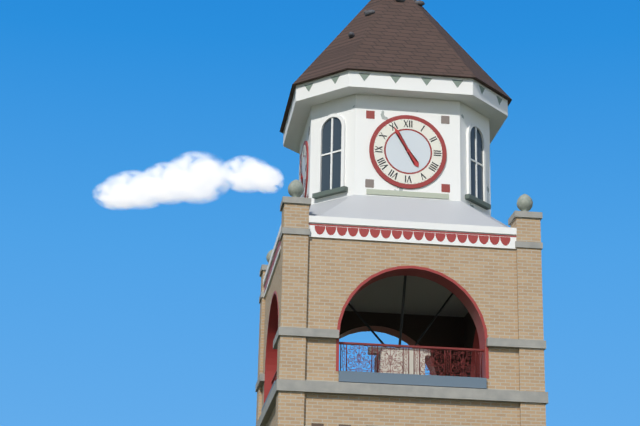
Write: h=4 m=55
